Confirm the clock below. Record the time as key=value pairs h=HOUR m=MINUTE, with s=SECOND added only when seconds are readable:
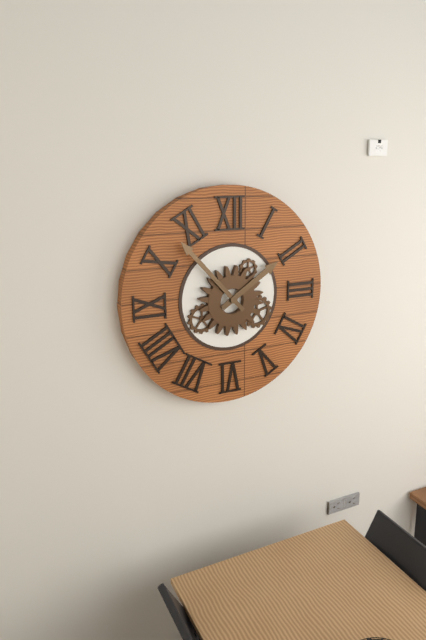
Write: h=1 m=53
